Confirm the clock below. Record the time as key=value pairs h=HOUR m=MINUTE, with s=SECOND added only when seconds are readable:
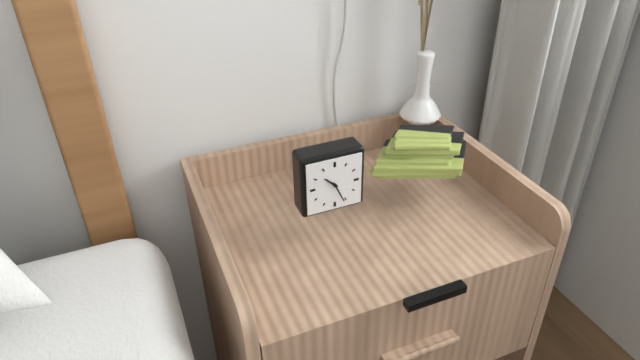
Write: h=10 m=26
